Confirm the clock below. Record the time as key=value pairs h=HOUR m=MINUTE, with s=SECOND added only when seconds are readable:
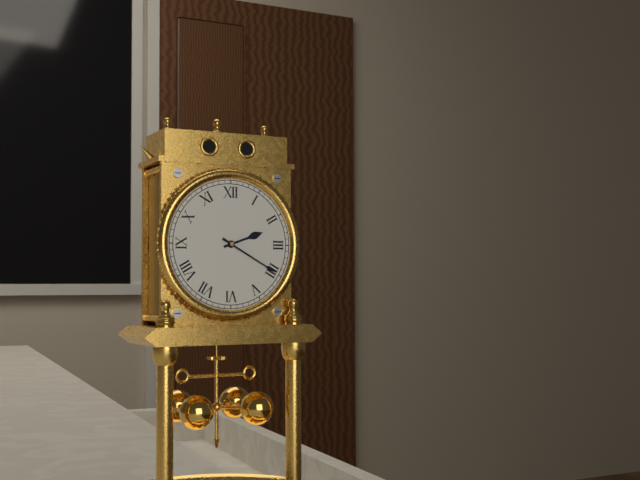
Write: h=2 m=20
